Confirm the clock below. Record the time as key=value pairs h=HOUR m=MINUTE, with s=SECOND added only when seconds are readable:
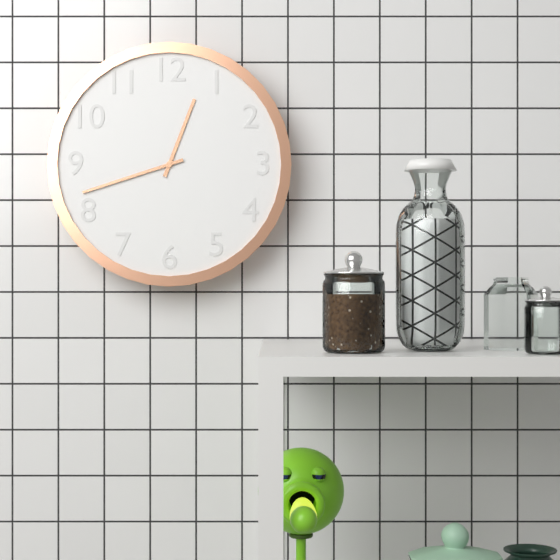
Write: h=12 m=42
